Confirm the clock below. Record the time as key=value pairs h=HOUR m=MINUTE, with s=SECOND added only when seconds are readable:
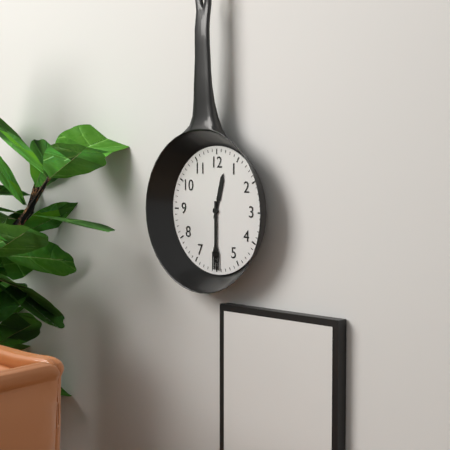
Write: h=12 m=30
